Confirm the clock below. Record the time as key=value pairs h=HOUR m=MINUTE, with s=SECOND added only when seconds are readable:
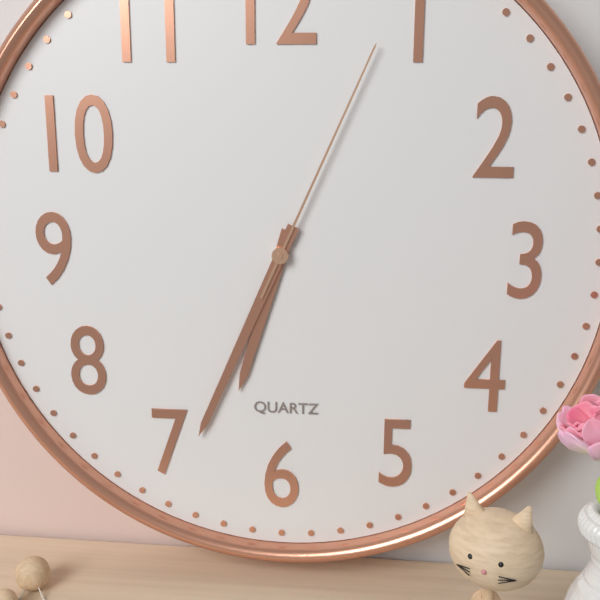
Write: h=6 m=34 s=4
